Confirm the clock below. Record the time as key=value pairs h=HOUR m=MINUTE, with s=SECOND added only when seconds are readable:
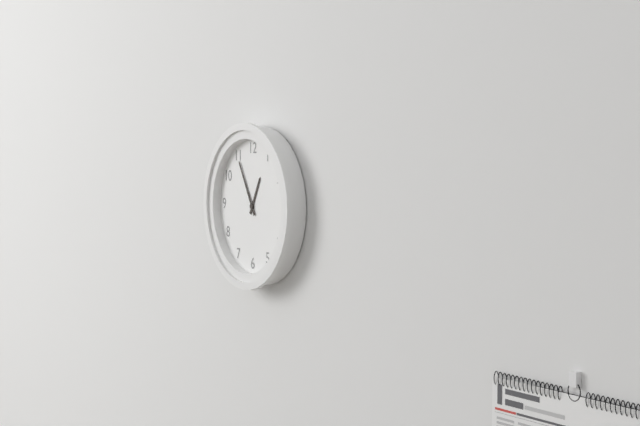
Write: h=12 m=55
